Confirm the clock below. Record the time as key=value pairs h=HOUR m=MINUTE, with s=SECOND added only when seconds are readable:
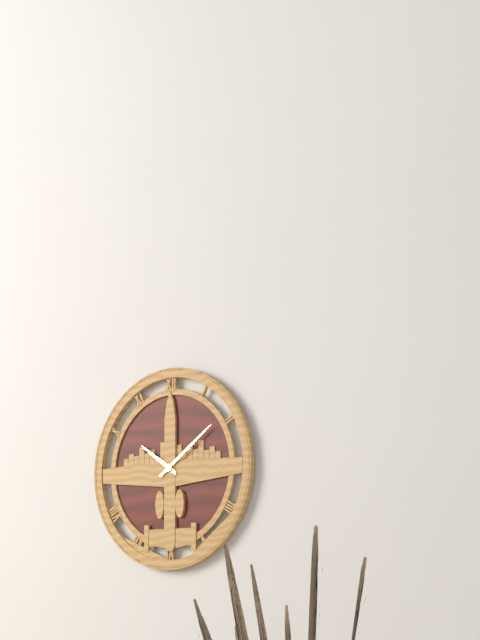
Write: h=10 m=9
